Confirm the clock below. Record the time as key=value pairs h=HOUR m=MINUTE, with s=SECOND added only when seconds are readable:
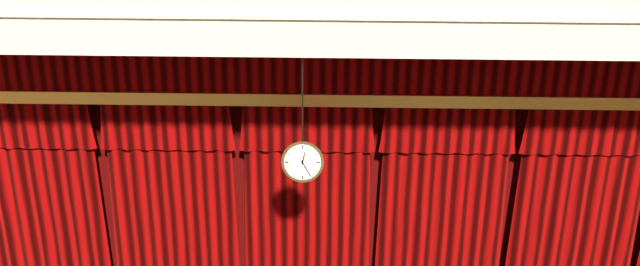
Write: h=12 m=25
